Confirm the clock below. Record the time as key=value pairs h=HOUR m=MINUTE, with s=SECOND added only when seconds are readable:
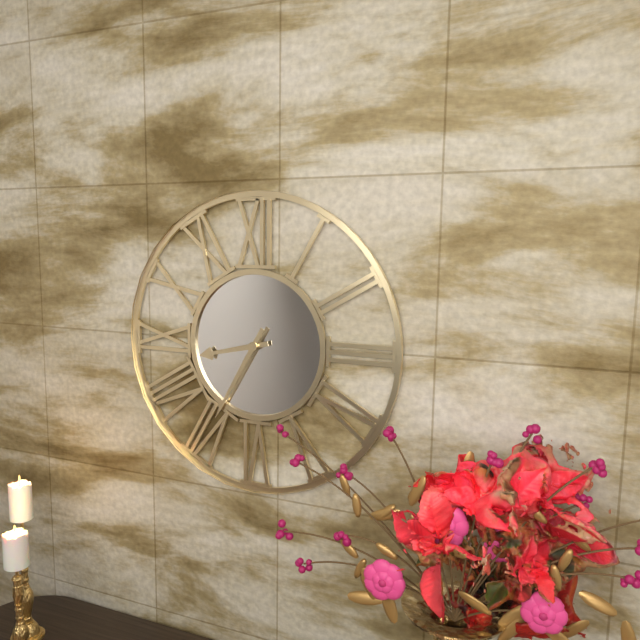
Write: h=8 m=35
